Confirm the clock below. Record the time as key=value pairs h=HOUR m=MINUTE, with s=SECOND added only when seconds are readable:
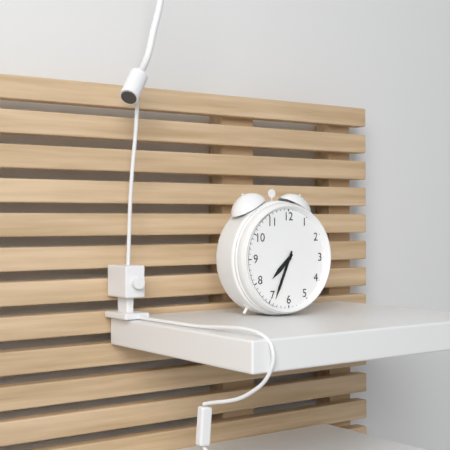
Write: h=7 m=34
